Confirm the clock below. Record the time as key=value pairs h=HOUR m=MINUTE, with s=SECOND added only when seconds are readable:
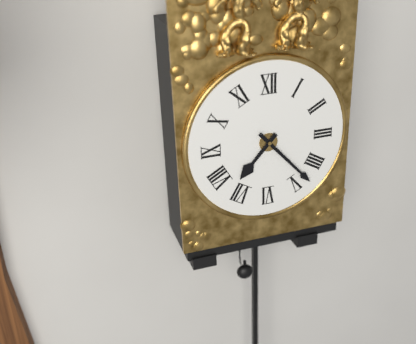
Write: h=7 m=23
